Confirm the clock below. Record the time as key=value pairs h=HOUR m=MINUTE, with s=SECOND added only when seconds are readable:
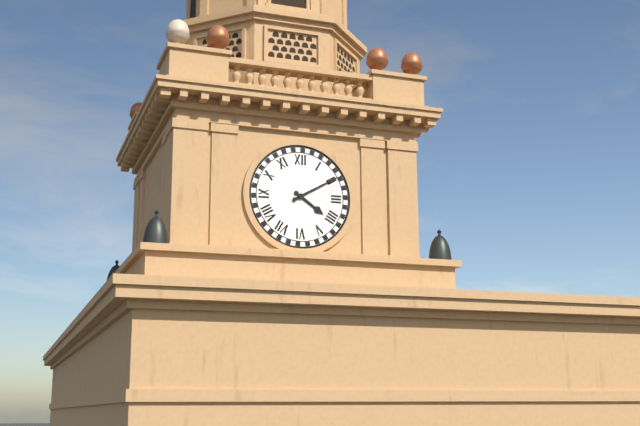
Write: h=4 m=10
